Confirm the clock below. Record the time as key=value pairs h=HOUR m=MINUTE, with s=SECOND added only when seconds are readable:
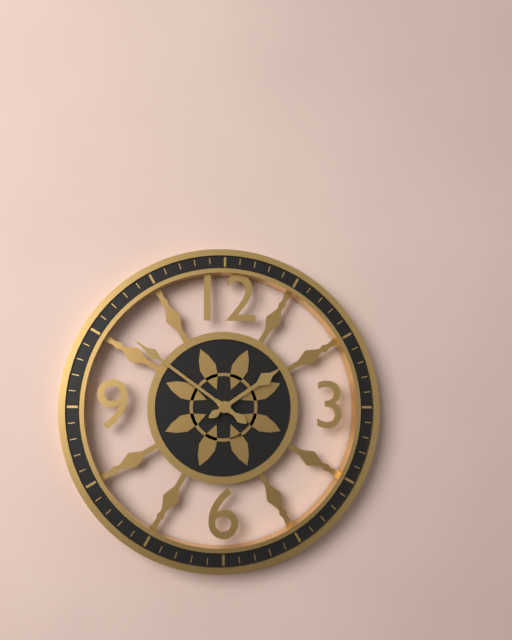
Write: h=1 m=51
